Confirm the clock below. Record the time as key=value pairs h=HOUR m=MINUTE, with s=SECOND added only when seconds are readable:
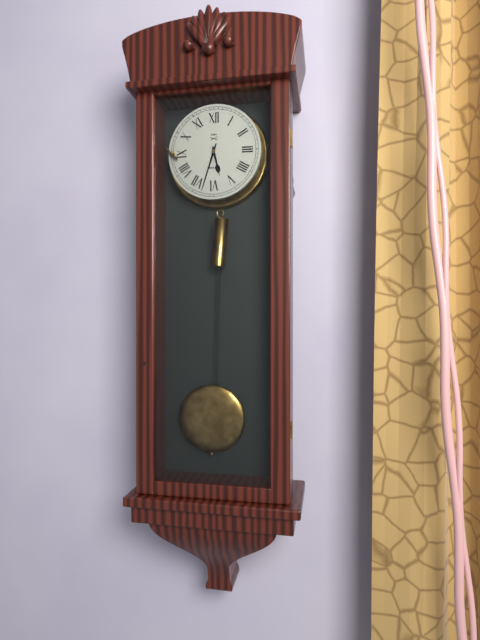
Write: h=5 m=33
